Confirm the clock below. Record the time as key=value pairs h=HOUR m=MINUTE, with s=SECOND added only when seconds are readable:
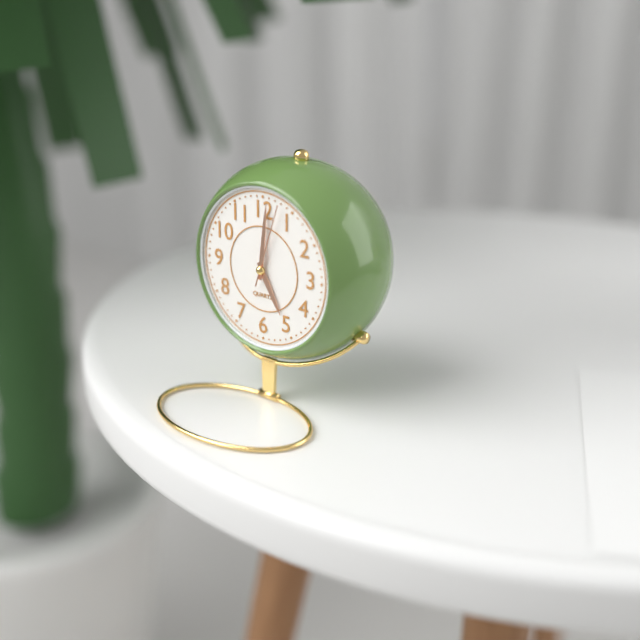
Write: h=5 m=1 s=3
